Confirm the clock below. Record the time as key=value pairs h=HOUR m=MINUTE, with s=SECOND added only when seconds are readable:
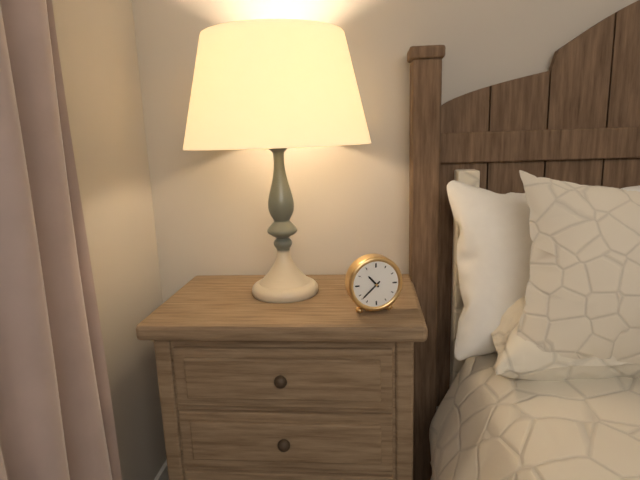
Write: h=10 m=38
